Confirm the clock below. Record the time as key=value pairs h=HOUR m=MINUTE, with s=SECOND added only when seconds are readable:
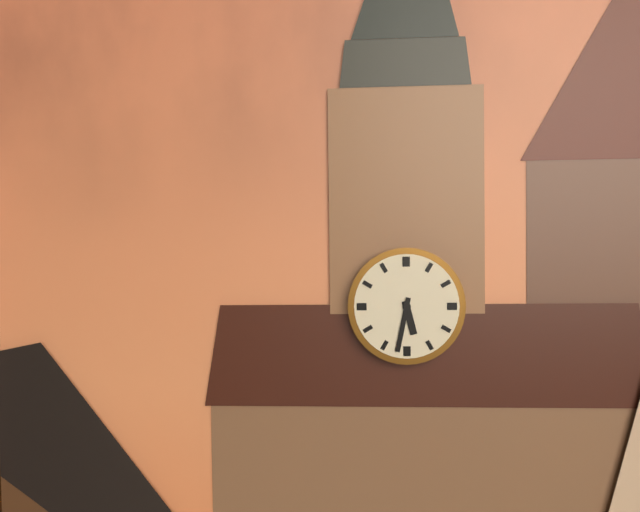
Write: h=5 m=32
